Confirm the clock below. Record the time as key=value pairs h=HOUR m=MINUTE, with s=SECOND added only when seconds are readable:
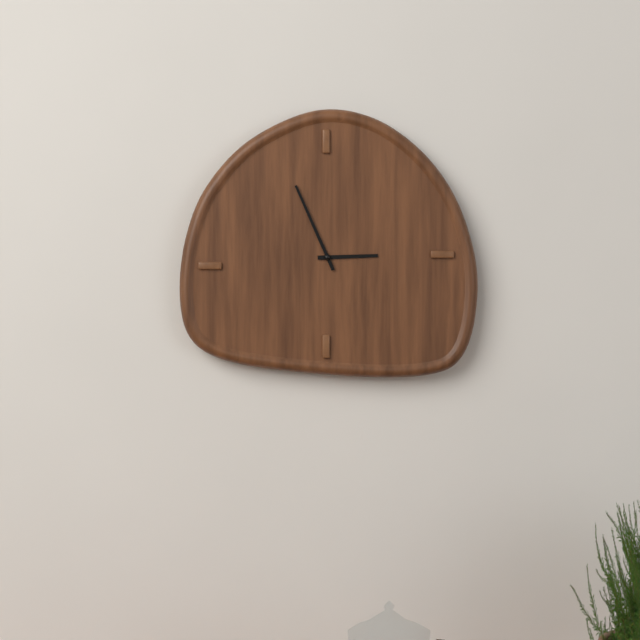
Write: h=2 m=56
